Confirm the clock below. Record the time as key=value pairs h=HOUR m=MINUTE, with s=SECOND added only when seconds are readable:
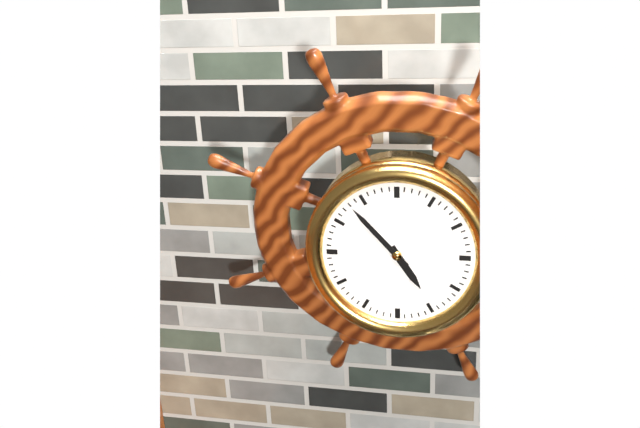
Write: h=4 m=53
